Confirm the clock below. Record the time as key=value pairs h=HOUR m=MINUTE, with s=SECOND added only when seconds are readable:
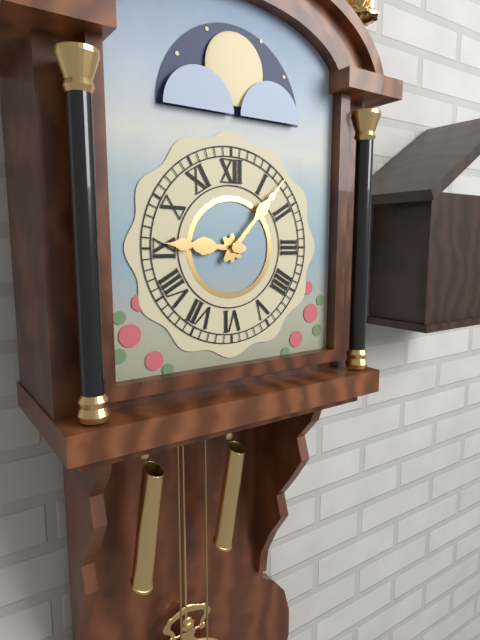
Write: h=9 m=7
